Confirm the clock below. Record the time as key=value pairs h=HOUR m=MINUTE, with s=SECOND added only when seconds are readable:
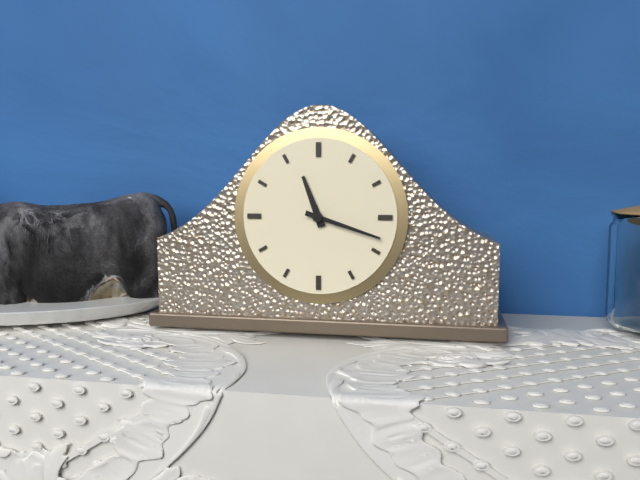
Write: h=11 m=18
